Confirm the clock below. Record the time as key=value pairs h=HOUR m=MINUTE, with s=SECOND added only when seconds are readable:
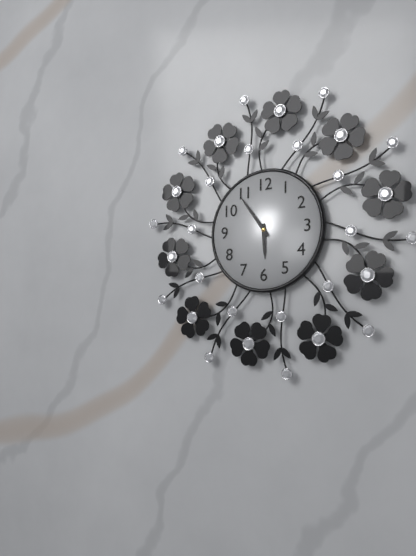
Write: h=5 m=54
